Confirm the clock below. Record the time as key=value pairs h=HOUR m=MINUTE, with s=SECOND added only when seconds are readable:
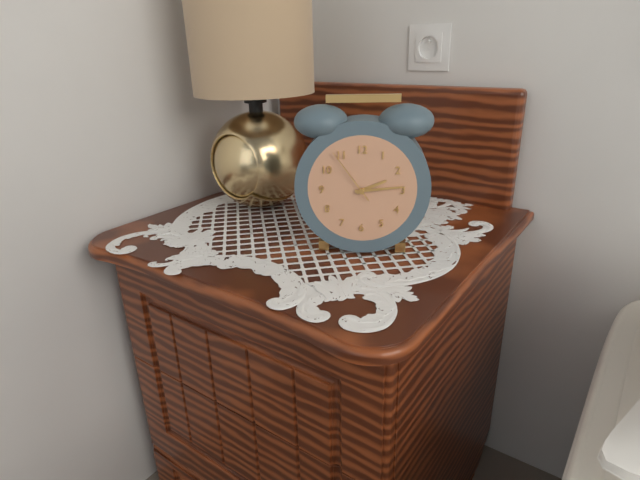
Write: h=2 m=14 s=54
